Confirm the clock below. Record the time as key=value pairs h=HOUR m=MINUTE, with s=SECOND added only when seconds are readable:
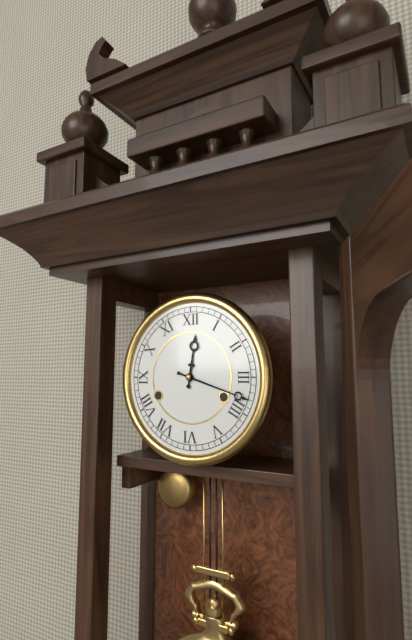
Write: h=12 m=18
